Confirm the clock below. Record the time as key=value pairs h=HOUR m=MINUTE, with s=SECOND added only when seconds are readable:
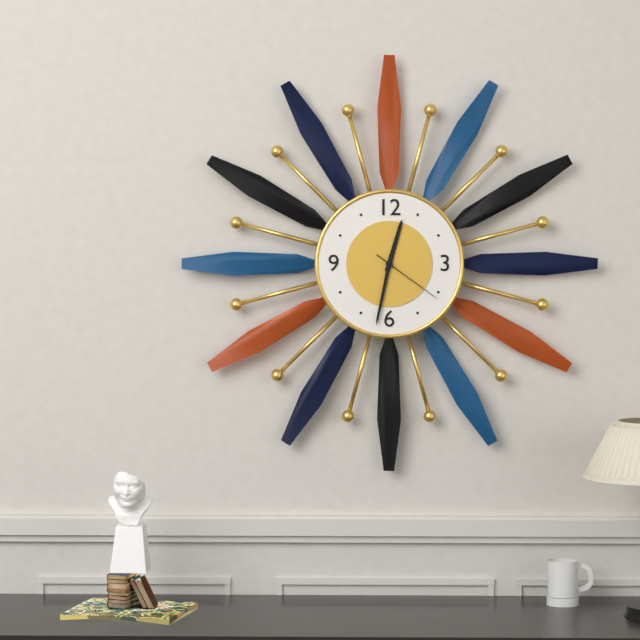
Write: h=12 m=32 s=21
